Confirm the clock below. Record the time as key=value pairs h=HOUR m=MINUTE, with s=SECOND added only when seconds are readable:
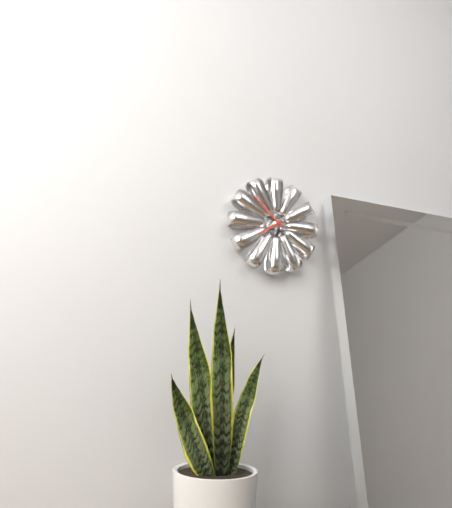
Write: h=7 m=52
